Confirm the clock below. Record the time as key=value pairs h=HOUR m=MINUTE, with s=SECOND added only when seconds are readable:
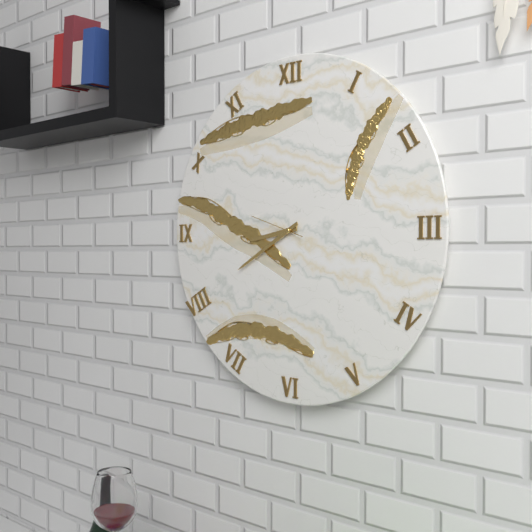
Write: h=8 m=40 s=48
